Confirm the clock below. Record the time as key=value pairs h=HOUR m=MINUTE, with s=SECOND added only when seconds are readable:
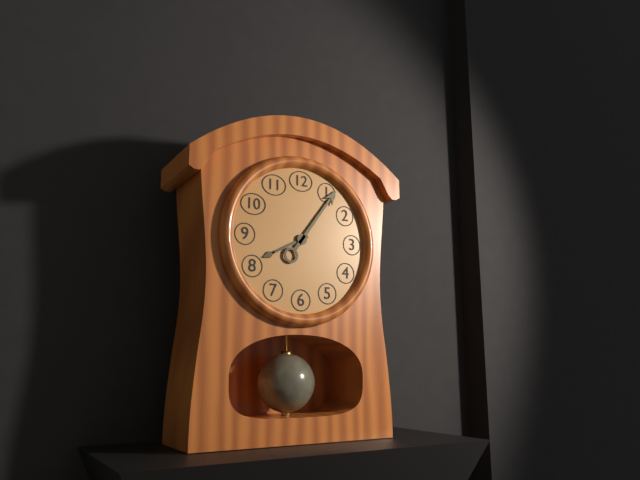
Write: h=8 m=6
